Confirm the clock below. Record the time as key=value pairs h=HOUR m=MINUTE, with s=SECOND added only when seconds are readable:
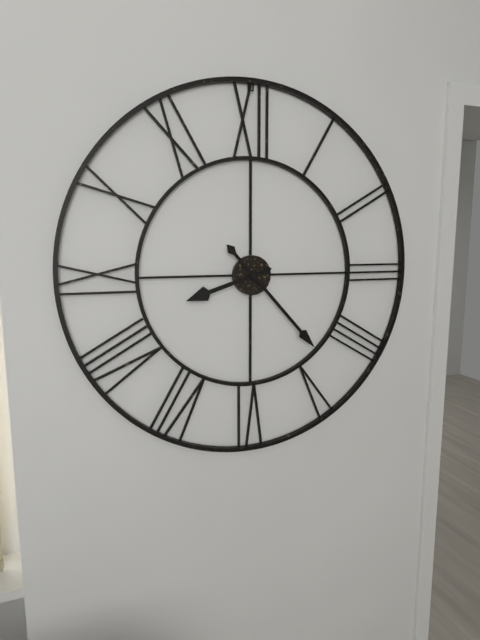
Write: h=8 m=23
